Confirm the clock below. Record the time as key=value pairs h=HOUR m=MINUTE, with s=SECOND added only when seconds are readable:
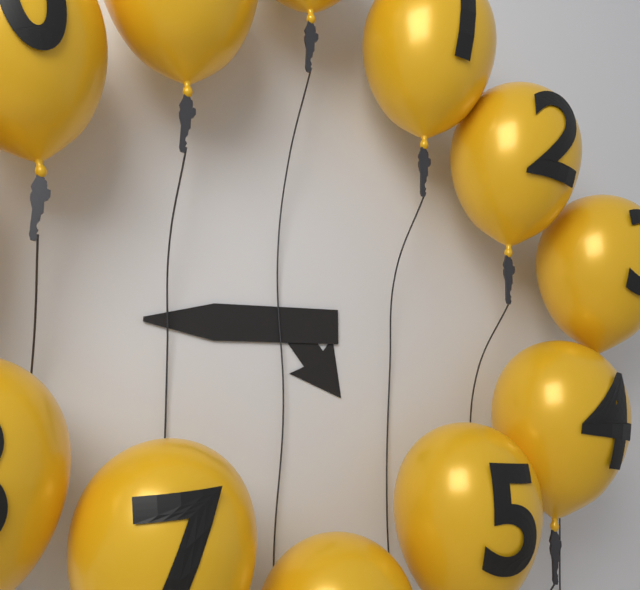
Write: h=4 m=45
